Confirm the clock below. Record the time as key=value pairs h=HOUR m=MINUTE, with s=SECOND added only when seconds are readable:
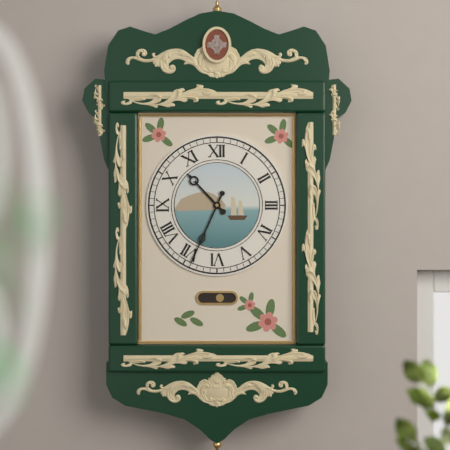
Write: h=10 m=34
